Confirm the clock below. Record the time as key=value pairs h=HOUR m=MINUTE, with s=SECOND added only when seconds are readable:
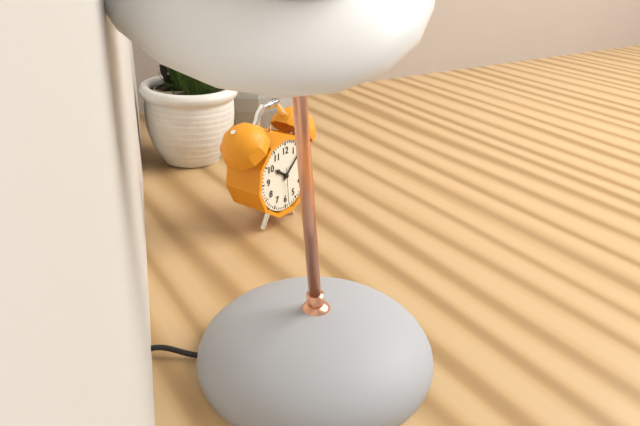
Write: h=10 m=8
